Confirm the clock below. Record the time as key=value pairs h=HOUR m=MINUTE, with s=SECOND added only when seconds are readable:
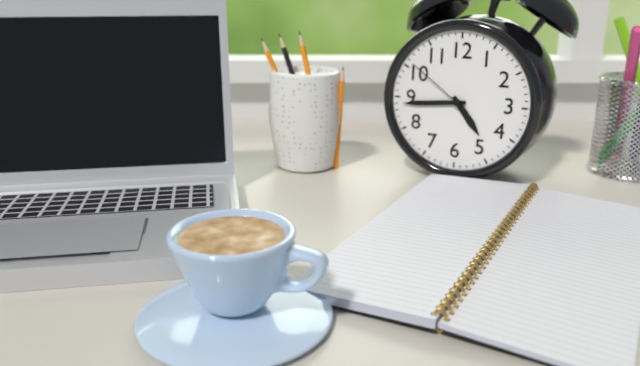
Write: h=4 m=44 s=51
